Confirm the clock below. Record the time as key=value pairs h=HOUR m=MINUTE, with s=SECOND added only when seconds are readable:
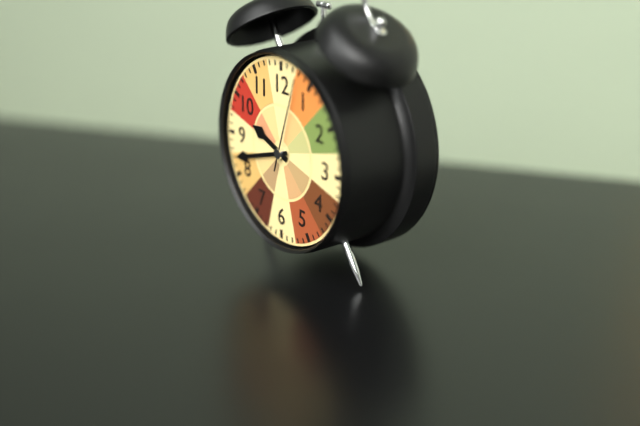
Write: h=9 m=42 s=3
